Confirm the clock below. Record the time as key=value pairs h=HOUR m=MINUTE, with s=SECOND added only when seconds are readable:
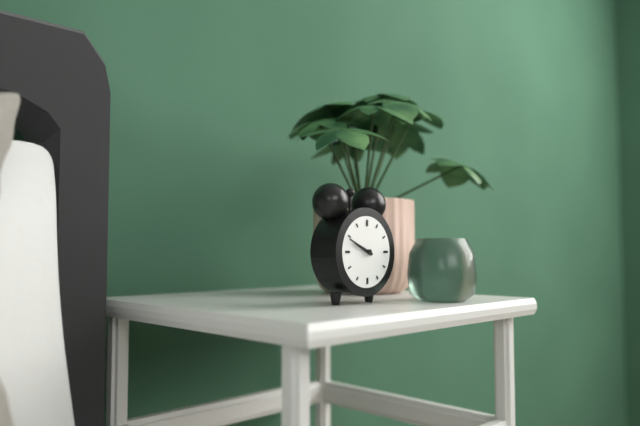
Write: h=9 m=49
